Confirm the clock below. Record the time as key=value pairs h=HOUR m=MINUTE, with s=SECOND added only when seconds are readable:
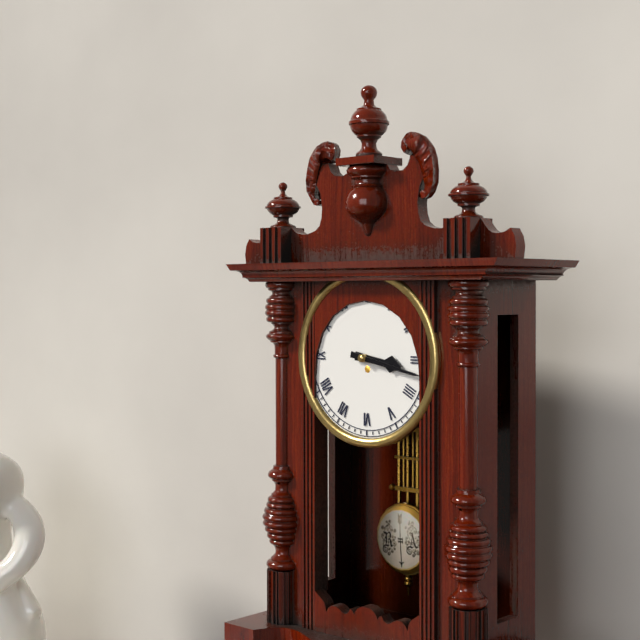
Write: h=3 m=17
